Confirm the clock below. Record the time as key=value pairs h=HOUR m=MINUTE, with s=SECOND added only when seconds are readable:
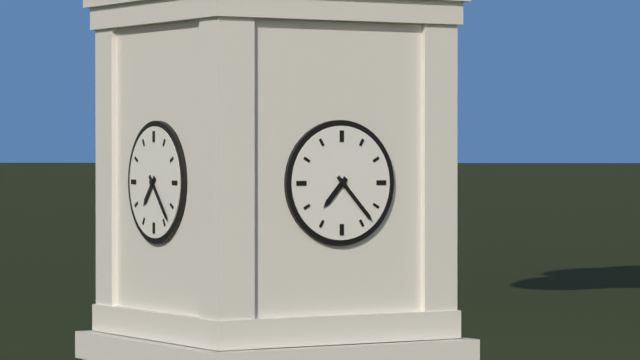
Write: h=7 m=23
